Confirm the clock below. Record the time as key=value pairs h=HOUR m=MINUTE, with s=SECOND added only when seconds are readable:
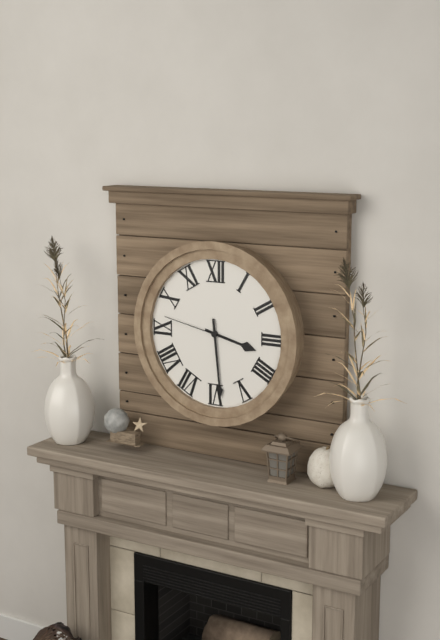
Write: h=3 m=29 s=47
